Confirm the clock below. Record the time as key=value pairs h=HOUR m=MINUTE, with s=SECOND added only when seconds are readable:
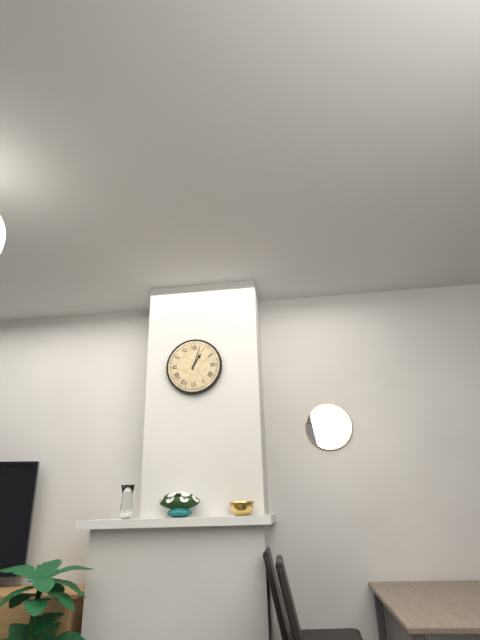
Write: h=1 m=3
